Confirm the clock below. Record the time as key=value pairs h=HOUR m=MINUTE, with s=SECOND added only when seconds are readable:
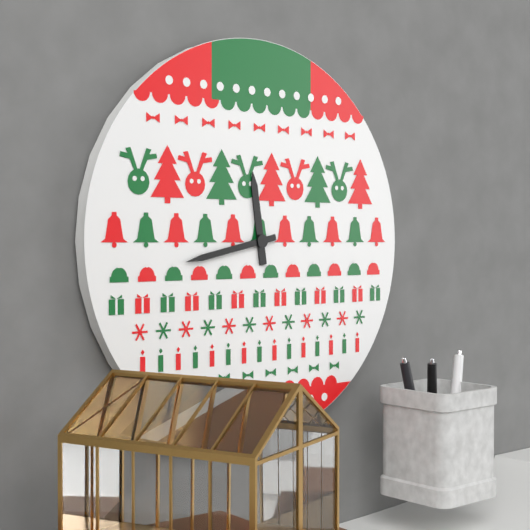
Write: h=11 m=43
